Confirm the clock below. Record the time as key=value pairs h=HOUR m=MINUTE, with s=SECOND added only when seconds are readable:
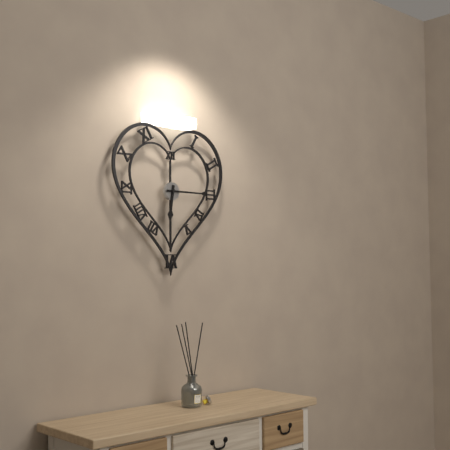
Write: h=6 m=15
